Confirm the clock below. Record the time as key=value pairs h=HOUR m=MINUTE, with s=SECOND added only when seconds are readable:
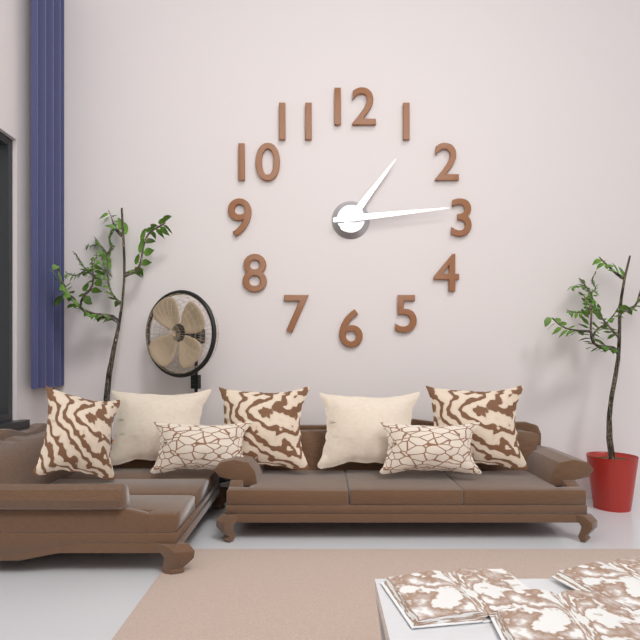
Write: h=1 m=14
